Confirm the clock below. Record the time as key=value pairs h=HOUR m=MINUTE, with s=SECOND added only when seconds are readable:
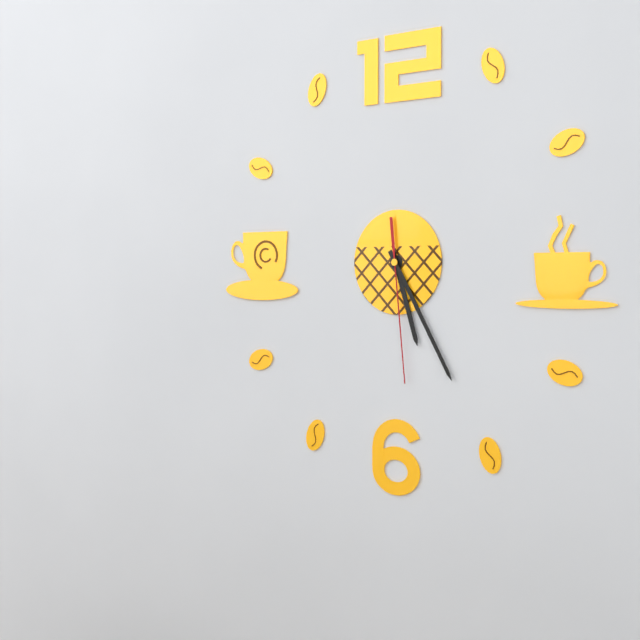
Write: h=5 m=25 s=29
